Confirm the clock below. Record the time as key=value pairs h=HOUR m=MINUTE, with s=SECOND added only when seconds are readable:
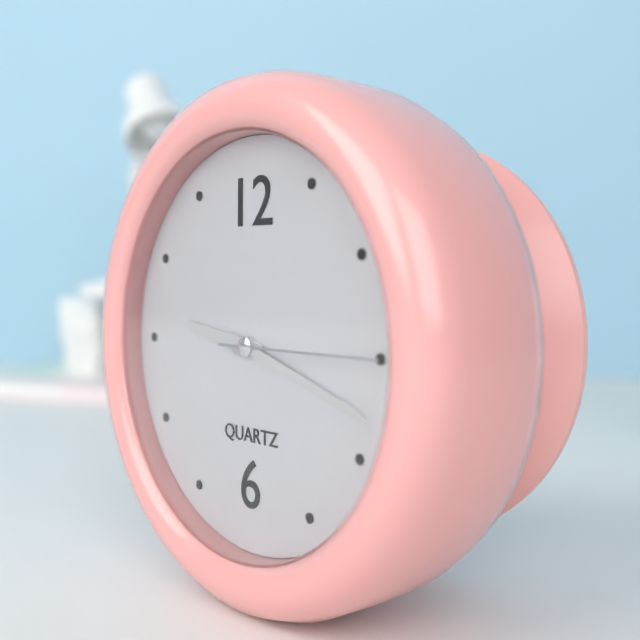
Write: h=9 m=18 s=15
